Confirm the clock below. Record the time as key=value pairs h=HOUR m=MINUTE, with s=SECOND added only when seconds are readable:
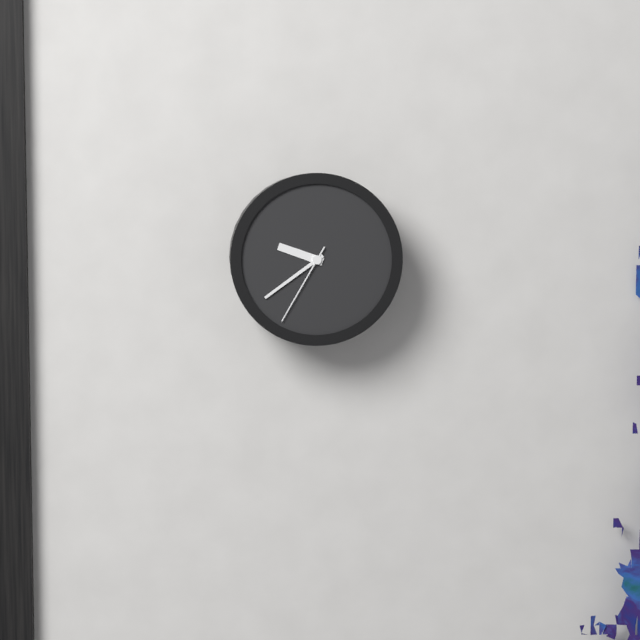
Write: h=9 m=39 s=35
